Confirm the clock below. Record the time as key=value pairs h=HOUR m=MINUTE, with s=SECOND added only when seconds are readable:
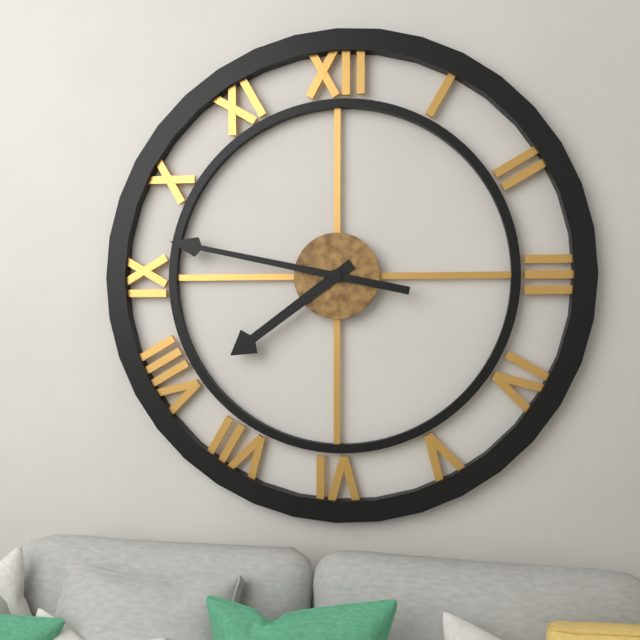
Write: h=7 m=47
